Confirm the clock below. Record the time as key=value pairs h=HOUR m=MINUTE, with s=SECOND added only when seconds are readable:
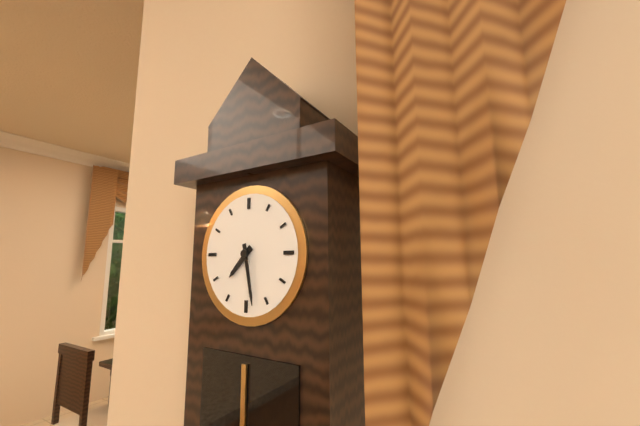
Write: h=7 m=28
